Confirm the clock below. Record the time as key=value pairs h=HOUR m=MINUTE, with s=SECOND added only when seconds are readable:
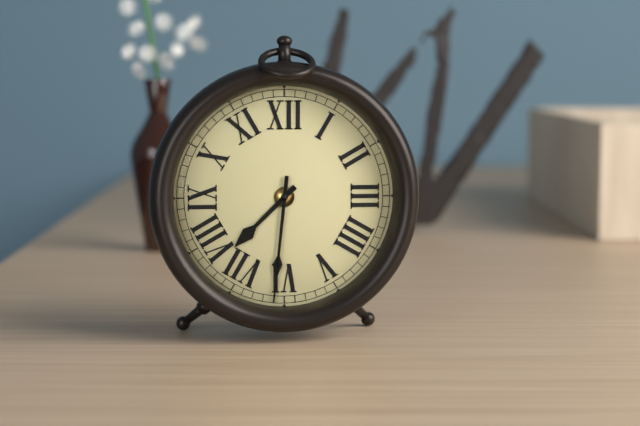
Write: h=7 m=31
